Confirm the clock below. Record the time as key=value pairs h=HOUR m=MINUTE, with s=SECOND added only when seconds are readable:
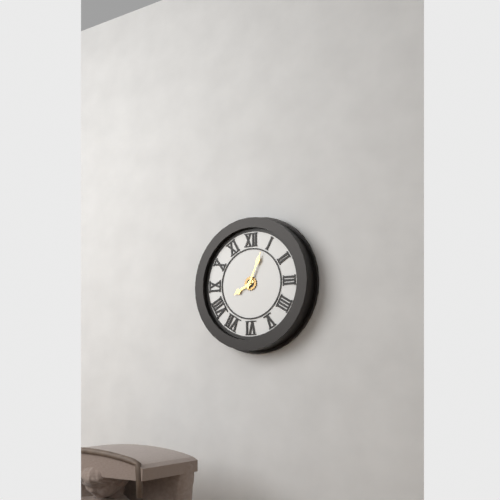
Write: h=8 m=4
